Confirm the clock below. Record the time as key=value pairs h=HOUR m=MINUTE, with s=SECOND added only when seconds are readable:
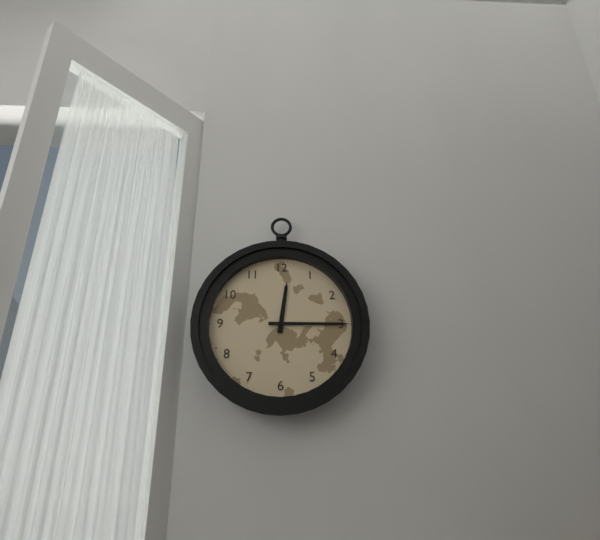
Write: h=12 m=15
